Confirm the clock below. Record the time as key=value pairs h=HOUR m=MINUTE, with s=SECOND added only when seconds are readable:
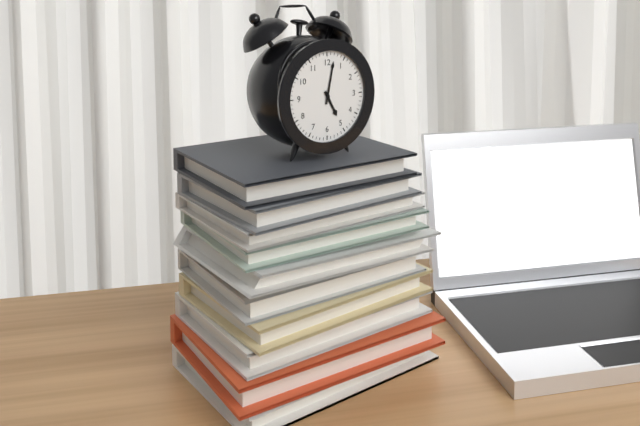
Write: h=5 m=2
